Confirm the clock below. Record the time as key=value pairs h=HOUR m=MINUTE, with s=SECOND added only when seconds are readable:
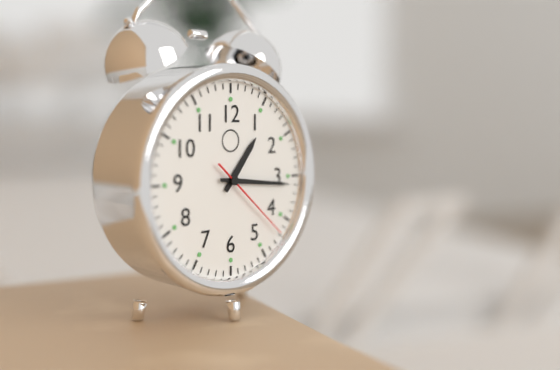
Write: h=1 m=16 s=22
